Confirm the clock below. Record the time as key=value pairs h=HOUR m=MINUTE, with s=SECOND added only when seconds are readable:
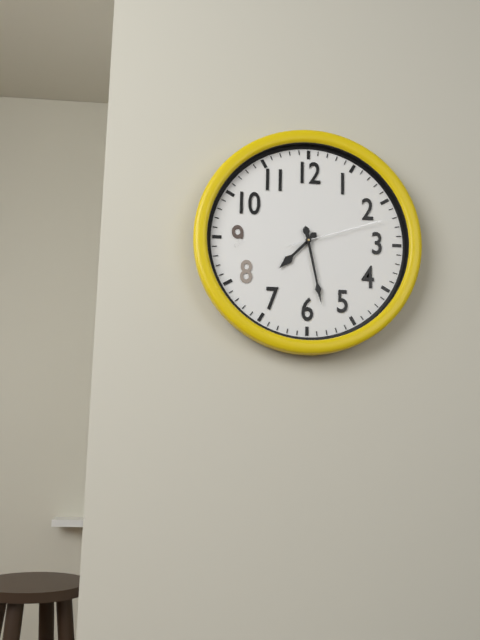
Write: h=7 m=28 s=12
